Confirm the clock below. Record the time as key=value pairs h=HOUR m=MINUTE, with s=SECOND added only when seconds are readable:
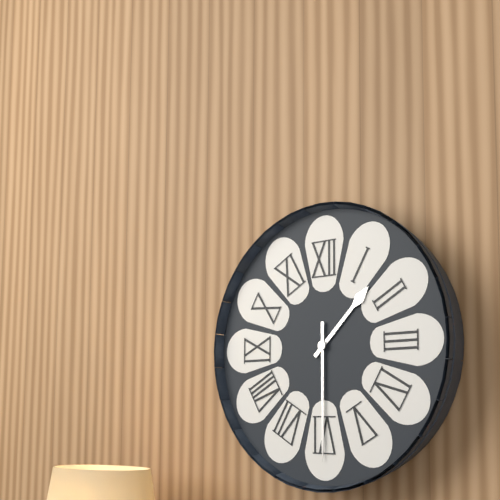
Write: h=1 m=30
